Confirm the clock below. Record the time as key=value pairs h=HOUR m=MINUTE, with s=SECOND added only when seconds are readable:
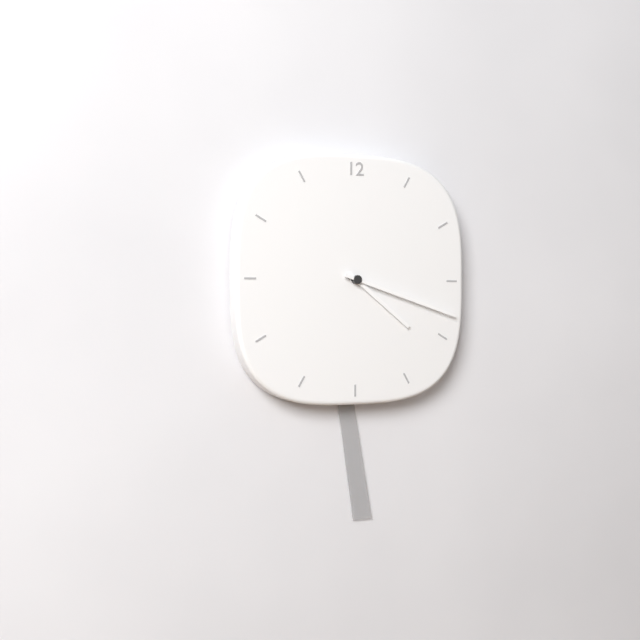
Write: h=4 m=18
